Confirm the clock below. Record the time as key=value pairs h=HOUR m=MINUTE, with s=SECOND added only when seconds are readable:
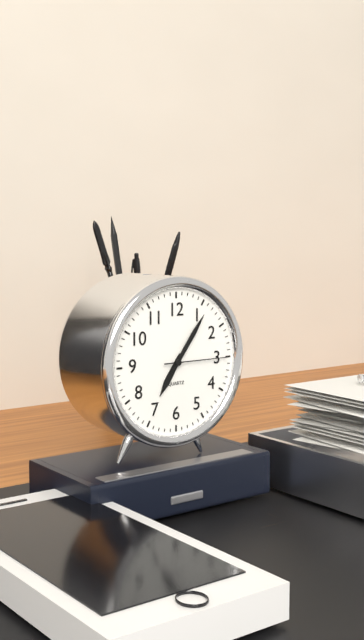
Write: h=7 m=6 s=15
